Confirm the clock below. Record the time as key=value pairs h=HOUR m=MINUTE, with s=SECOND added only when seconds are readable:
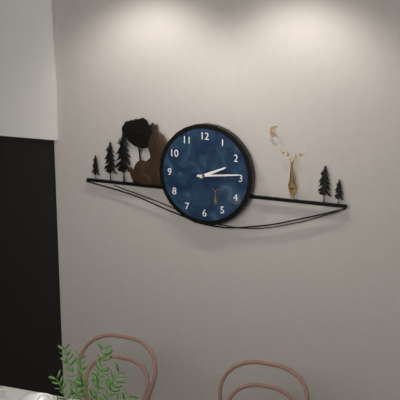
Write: h=2 m=14
